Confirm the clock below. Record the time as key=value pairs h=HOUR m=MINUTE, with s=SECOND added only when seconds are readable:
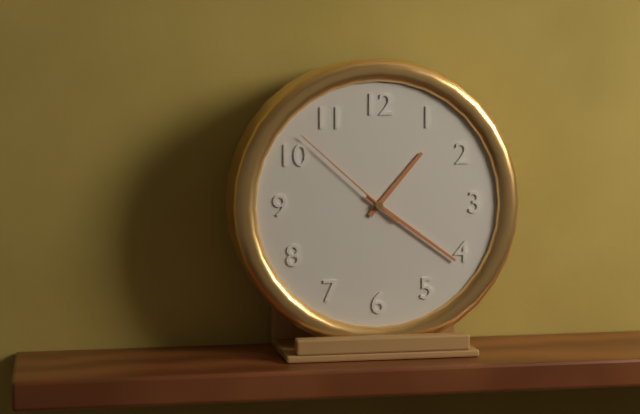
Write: h=1 m=21 s=52
